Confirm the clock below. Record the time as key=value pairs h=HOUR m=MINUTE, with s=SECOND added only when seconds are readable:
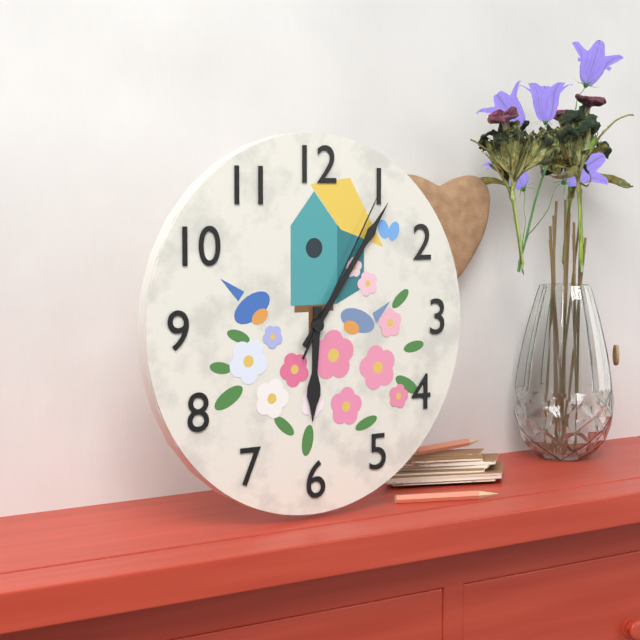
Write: h=6 m=6 s=5
